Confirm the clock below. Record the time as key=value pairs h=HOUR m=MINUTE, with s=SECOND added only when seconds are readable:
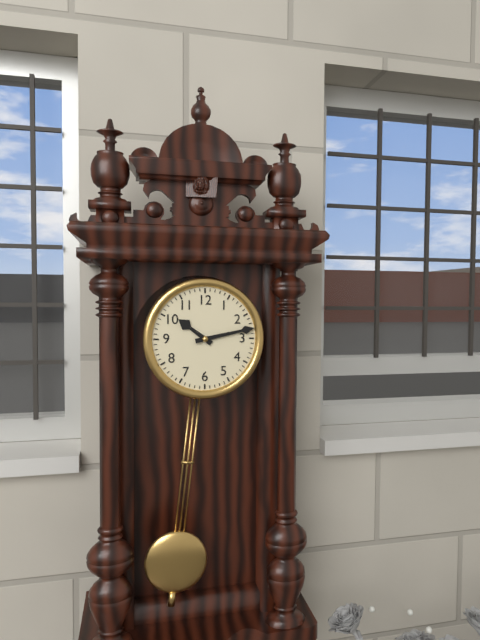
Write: h=10 m=13
